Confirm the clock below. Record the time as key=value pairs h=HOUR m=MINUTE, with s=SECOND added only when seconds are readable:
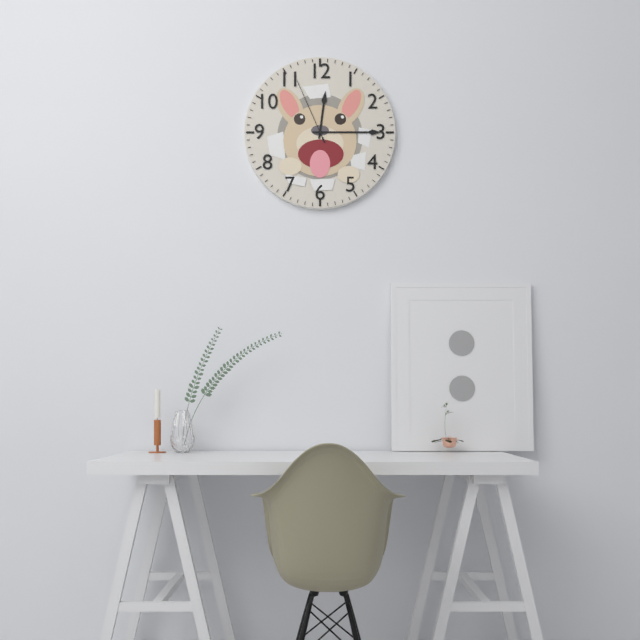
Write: h=12 m=15 s=56
